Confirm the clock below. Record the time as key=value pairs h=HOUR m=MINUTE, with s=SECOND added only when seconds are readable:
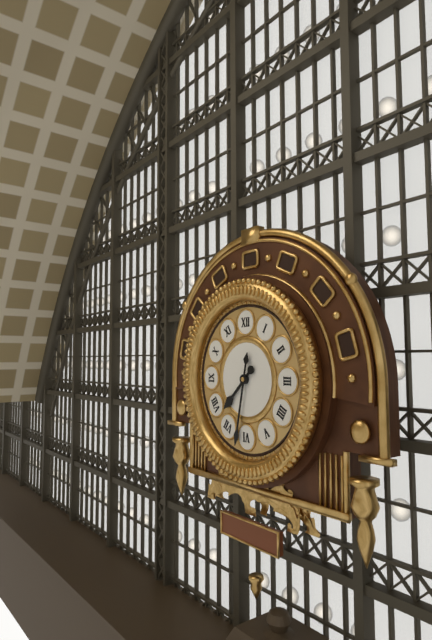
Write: h=7 m=32
